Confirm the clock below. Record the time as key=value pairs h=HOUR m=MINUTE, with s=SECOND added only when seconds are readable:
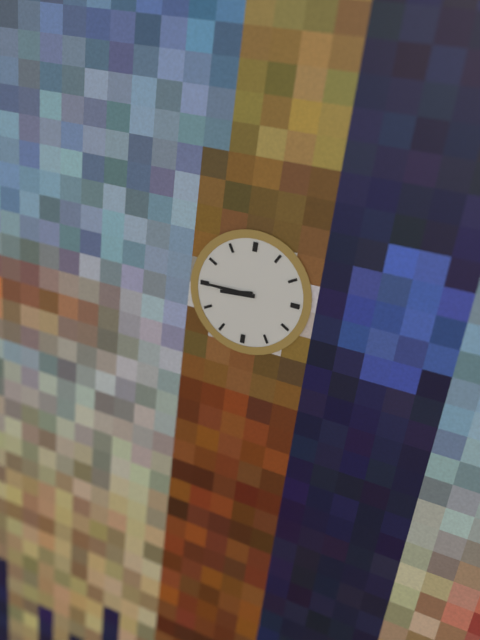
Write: h=8 m=45
